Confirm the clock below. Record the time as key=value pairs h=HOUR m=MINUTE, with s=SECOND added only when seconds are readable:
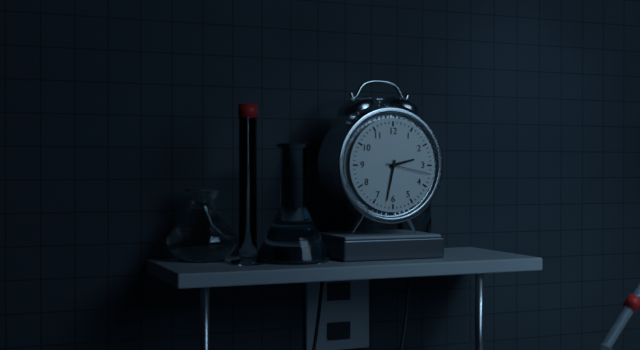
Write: h=2 m=32
